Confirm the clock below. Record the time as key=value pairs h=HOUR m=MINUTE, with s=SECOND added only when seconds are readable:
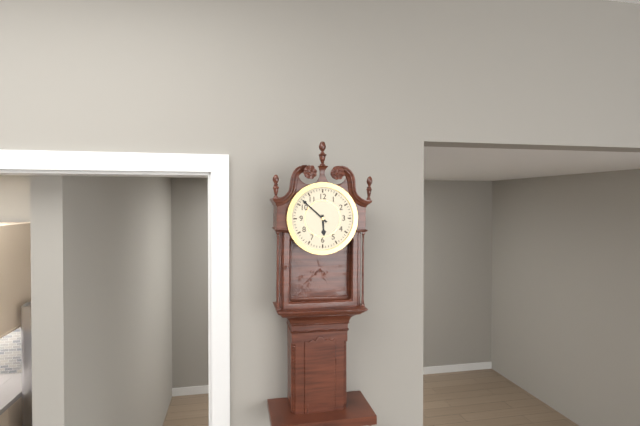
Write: h=5 m=52
